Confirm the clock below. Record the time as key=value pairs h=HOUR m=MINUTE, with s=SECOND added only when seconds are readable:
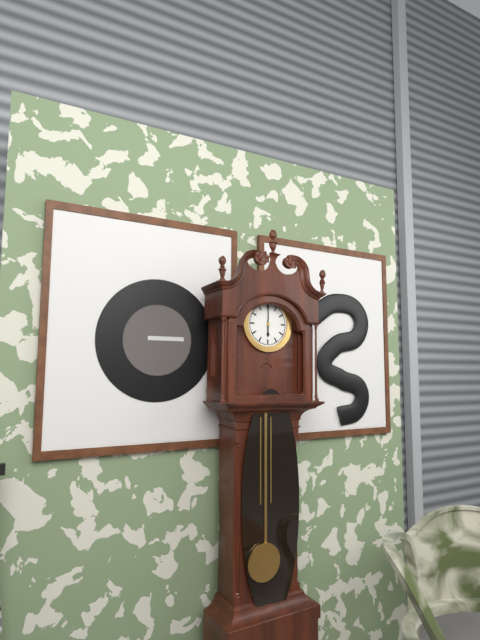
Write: h=6 m=0
